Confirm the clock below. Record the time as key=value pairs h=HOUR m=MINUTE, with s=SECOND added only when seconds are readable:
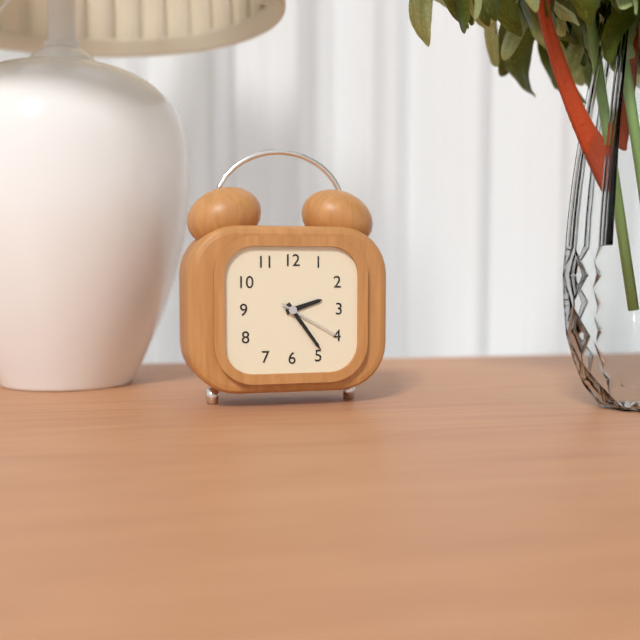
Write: h=2 m=24 s=20
